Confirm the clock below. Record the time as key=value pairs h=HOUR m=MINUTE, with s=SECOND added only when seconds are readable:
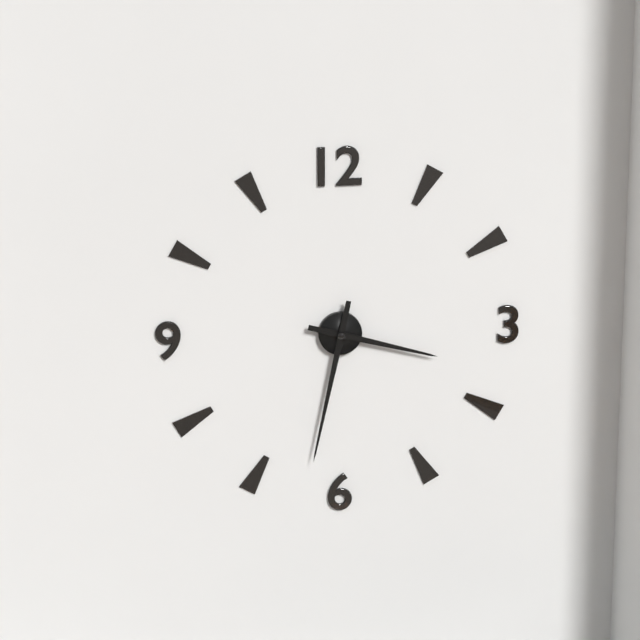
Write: h=3 m=32
